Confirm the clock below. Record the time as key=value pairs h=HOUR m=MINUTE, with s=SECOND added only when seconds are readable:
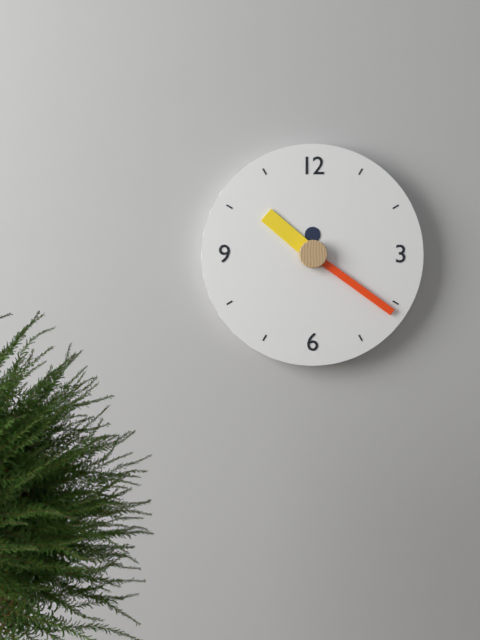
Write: h=10 m=21
